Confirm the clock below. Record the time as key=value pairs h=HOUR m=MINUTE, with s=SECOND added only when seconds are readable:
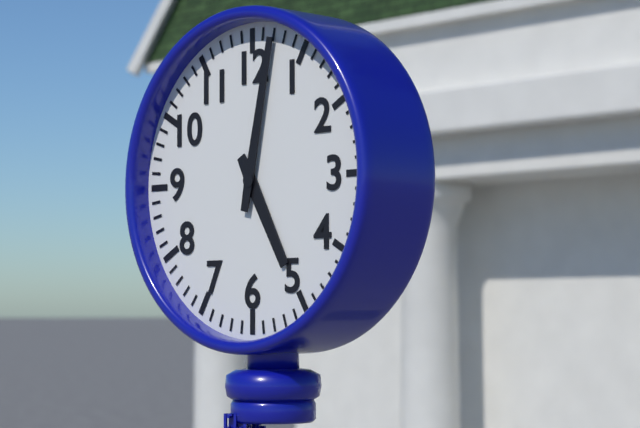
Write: h=5 m=2
